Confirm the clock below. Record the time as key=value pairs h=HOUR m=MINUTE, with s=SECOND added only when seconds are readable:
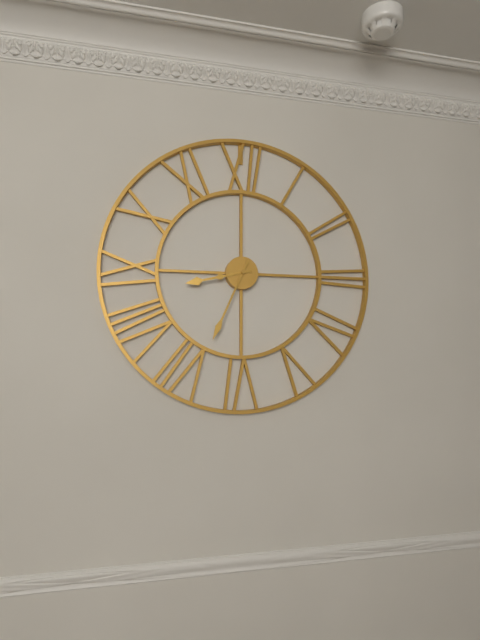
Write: h=8 m=34
